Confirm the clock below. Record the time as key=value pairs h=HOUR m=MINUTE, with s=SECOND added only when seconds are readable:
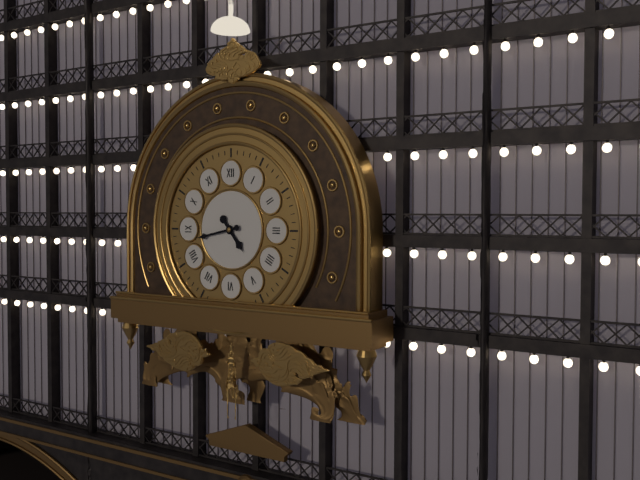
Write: h=4 m=43
